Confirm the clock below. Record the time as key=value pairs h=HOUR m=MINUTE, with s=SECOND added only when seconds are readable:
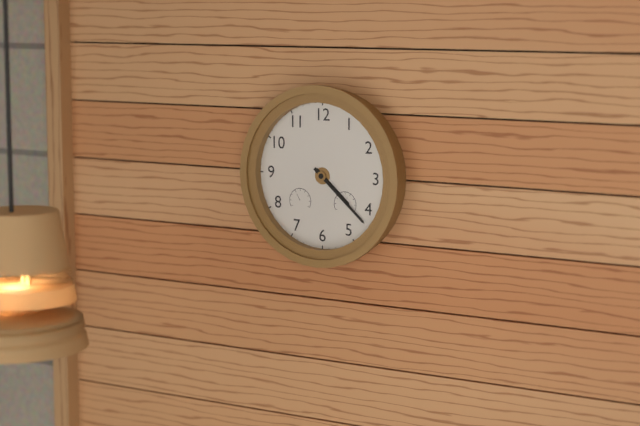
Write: h=4 m=22
